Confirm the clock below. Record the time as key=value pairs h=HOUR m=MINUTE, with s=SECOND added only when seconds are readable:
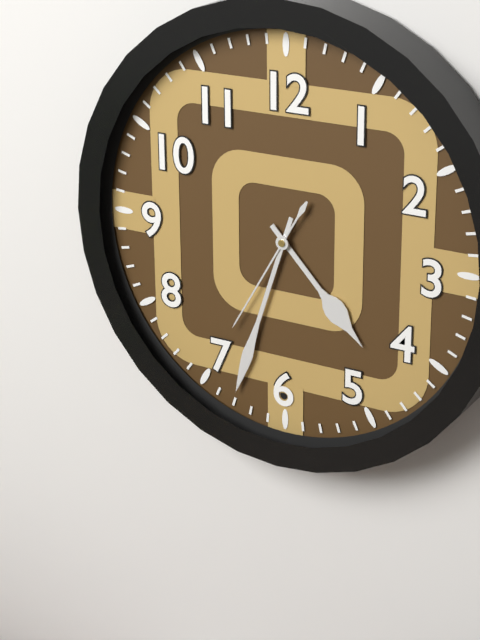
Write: h=4 m=33 s=35
